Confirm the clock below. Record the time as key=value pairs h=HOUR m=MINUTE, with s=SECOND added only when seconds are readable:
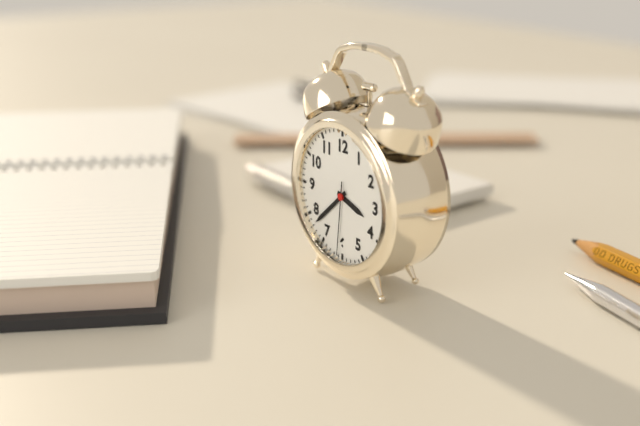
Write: h=3 m=38 s=31
